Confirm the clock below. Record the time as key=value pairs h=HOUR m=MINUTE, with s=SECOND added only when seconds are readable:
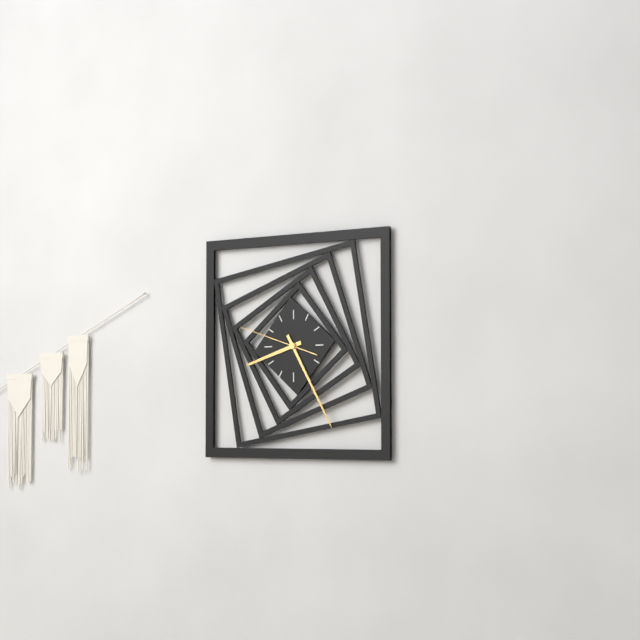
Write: h=8 m=25 s=48
